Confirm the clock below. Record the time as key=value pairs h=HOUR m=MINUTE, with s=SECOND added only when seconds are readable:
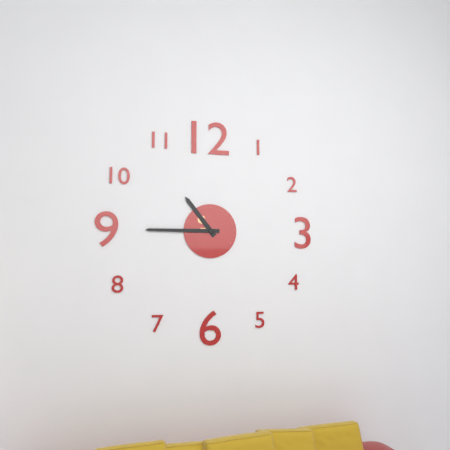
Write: h=10 m=45
